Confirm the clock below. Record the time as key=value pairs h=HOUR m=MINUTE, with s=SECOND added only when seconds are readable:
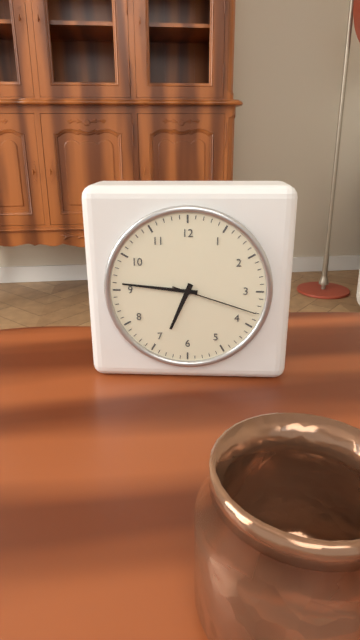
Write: h=6 m=46 s=18
